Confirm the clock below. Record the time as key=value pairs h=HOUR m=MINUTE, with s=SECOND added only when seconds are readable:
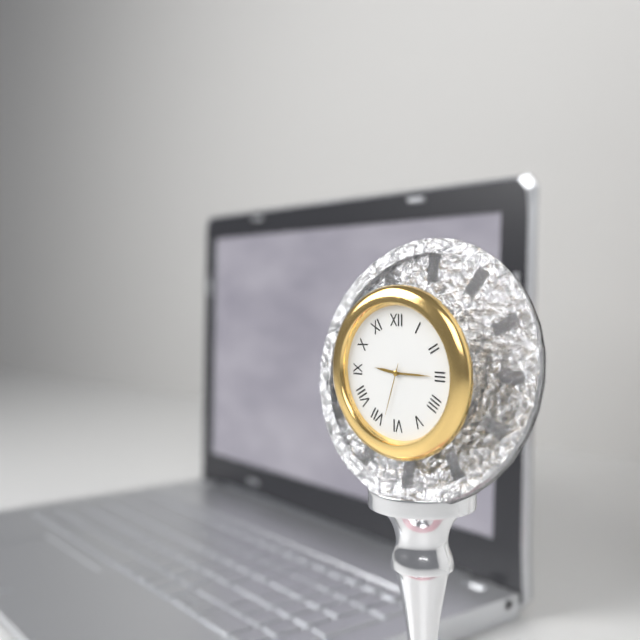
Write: h=9 m=15 s=33
